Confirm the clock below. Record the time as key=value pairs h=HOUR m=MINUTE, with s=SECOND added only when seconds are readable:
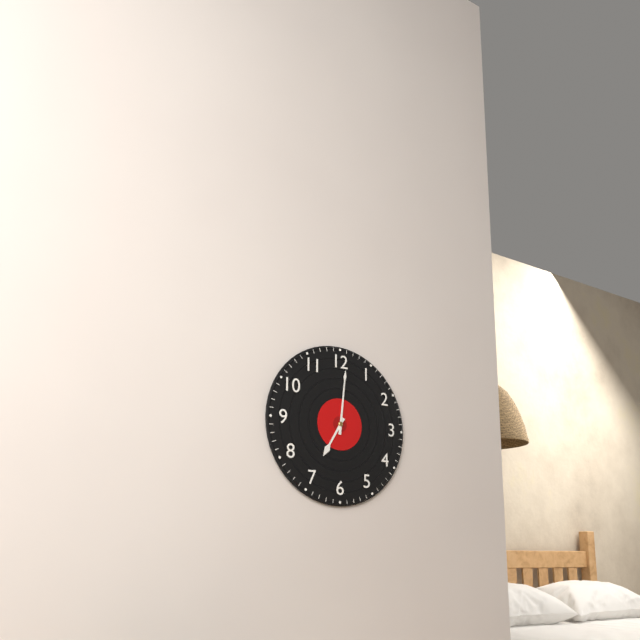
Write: h=7 m=1
